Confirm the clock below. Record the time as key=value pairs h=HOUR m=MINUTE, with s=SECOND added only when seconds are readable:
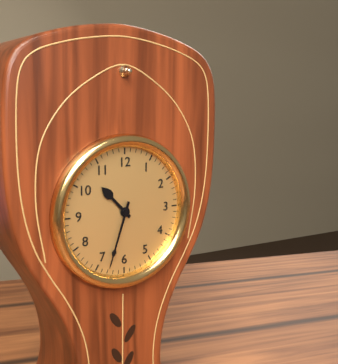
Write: h=10 m=33
